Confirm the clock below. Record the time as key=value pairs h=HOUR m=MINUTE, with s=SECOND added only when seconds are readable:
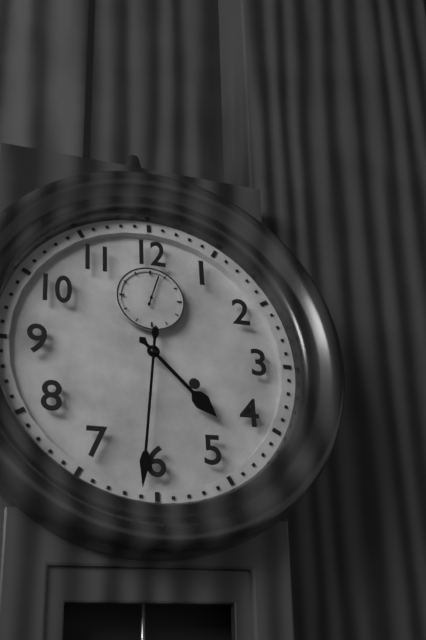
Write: h=4 m=31
